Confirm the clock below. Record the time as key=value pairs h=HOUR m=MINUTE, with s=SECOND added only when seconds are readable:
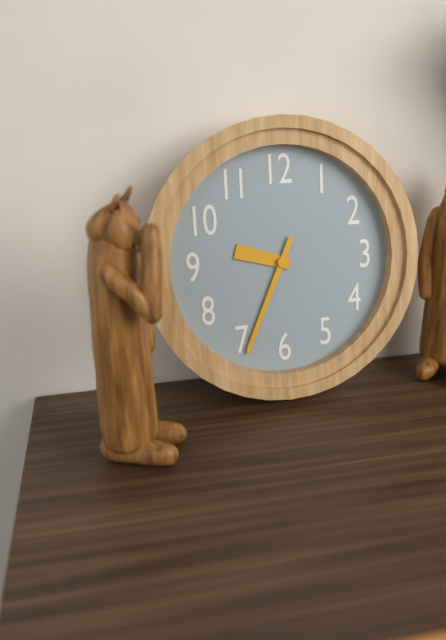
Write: h=9 m=34
